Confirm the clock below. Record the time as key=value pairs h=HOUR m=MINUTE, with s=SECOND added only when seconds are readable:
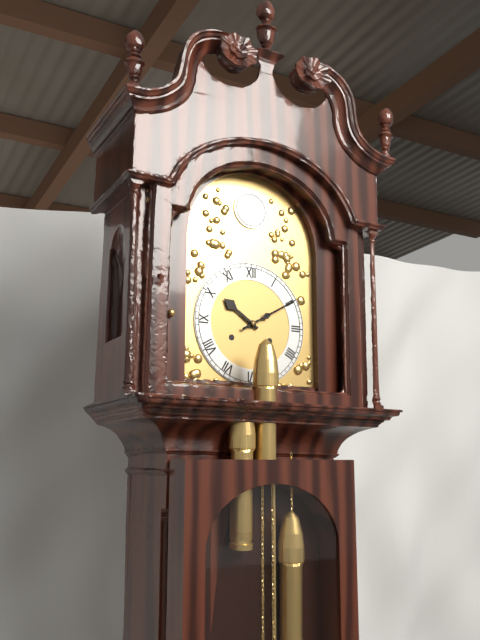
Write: h=10 m=10
